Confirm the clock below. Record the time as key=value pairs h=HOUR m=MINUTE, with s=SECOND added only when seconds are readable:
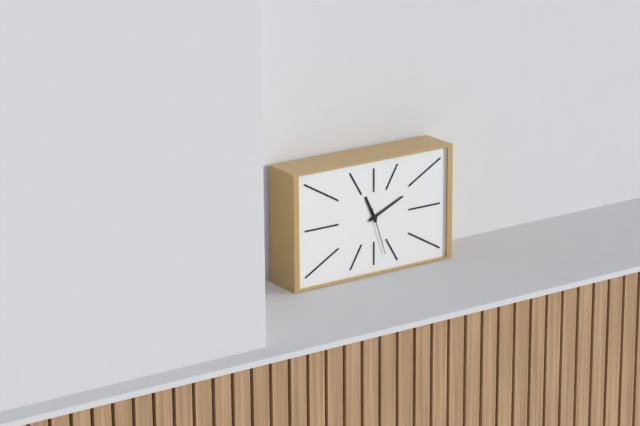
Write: h=11 m=11
